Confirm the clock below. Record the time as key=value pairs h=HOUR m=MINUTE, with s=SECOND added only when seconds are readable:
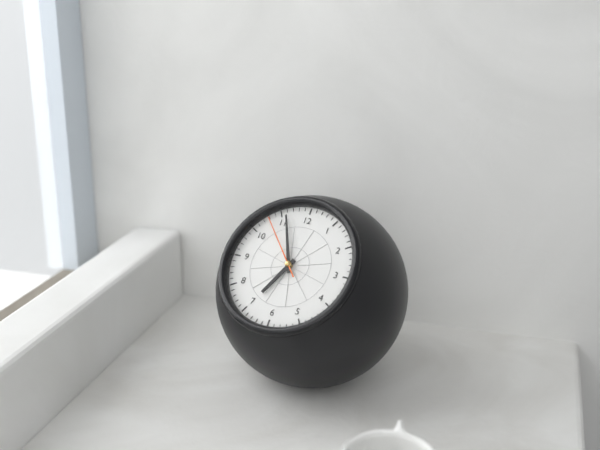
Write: h=6 m=56 s=53
